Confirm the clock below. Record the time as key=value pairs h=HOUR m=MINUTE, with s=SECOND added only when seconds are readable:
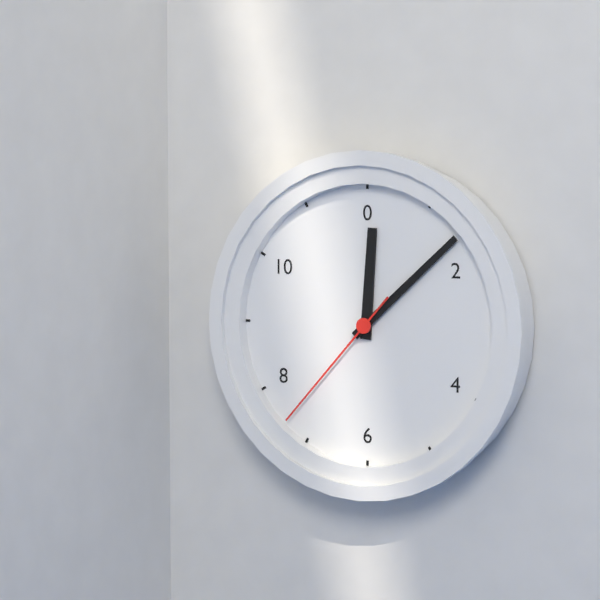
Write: h=12 m=8 s=37
